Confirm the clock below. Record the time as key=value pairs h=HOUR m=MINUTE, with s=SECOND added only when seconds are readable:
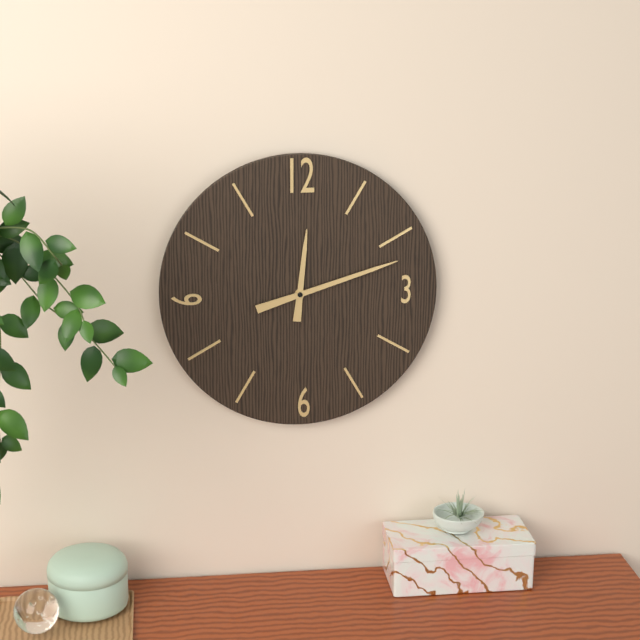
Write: h=12 m=12
